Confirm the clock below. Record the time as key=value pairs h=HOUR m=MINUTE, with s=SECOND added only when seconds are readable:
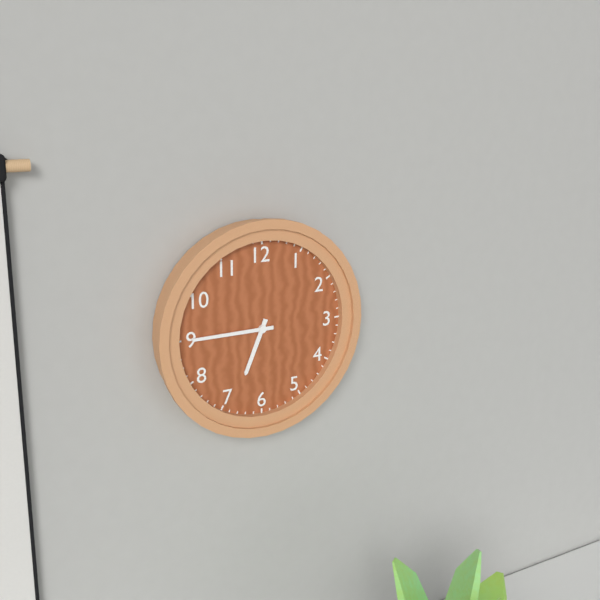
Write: h=6 m=45
